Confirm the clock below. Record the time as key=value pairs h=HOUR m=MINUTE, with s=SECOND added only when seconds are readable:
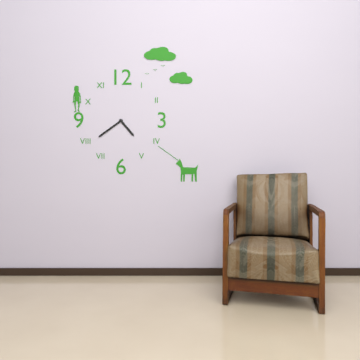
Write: h=4 m=39
